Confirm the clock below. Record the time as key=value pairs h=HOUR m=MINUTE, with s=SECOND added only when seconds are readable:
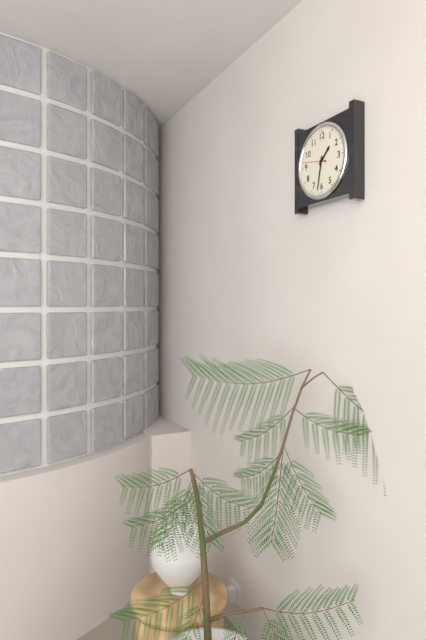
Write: h=1 m=32
